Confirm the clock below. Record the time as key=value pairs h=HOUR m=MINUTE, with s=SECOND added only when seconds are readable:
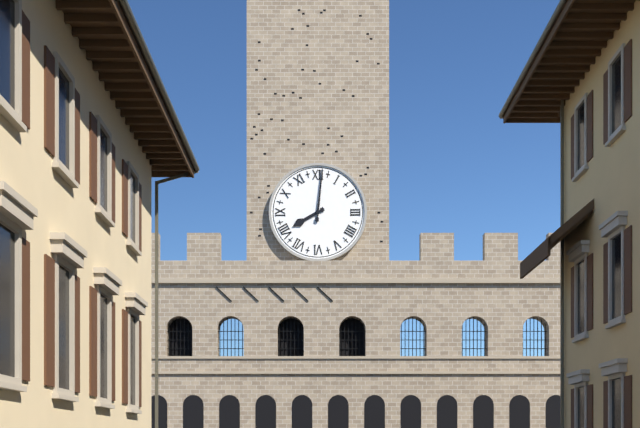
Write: h=8 m=1
